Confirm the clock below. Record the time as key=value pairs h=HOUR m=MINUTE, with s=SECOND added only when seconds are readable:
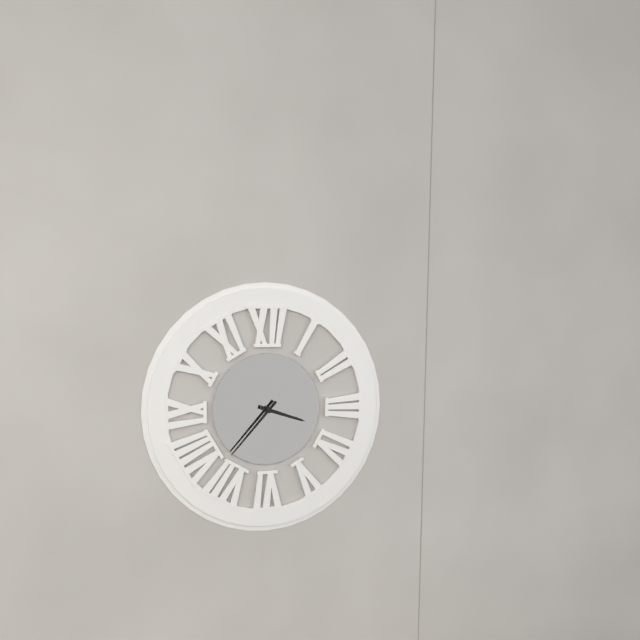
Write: h=3 m=37
